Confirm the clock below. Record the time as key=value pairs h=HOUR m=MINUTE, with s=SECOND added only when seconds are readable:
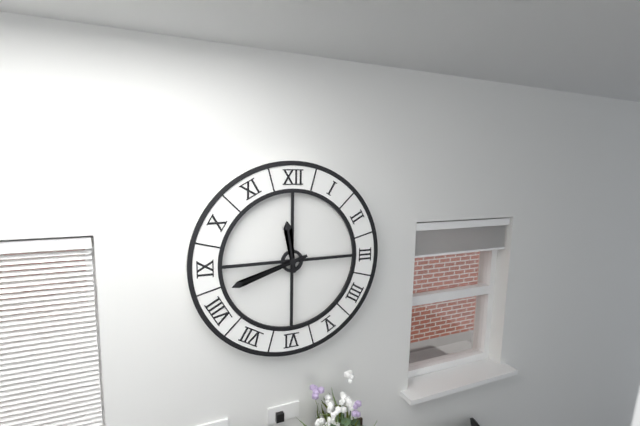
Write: h=11 m=42
